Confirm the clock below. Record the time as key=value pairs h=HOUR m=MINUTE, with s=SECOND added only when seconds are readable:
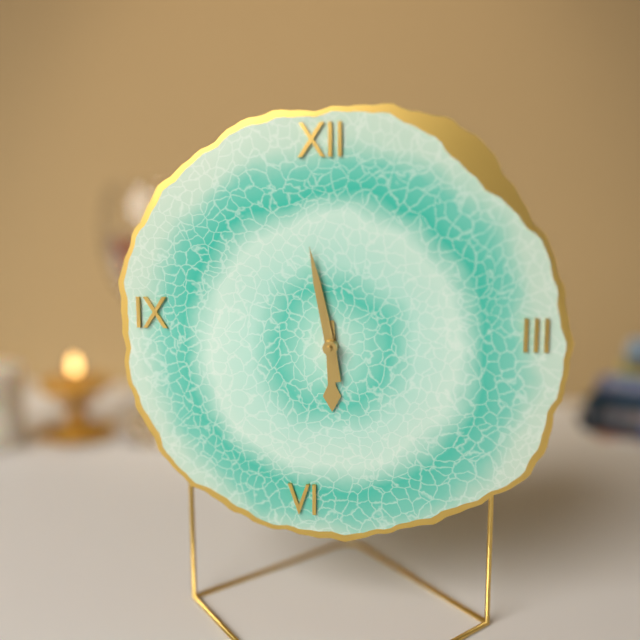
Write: h=5 m=58
